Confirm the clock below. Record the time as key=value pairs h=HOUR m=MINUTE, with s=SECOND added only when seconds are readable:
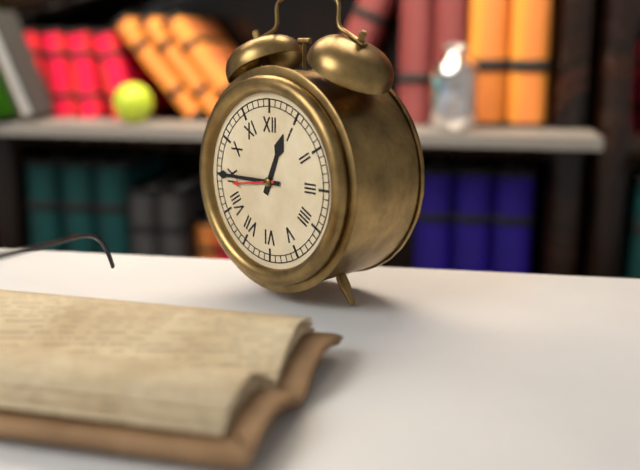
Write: h=12 m=45
